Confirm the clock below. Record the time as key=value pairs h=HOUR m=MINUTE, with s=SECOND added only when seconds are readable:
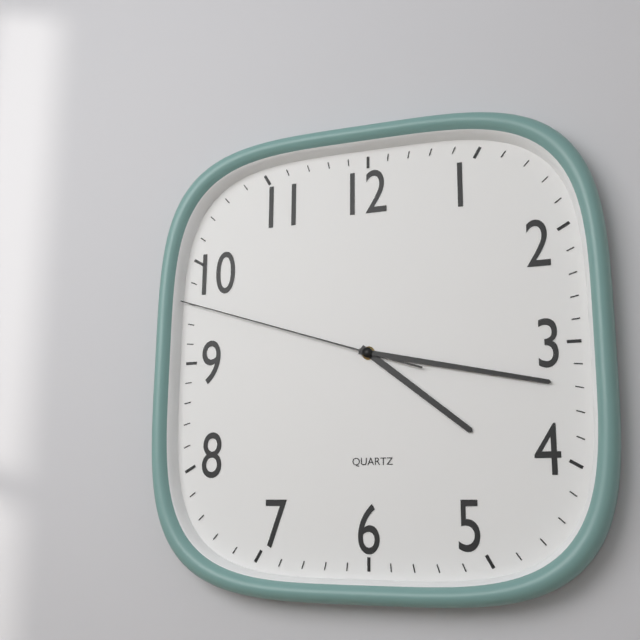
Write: h=4 m=17 s=48
